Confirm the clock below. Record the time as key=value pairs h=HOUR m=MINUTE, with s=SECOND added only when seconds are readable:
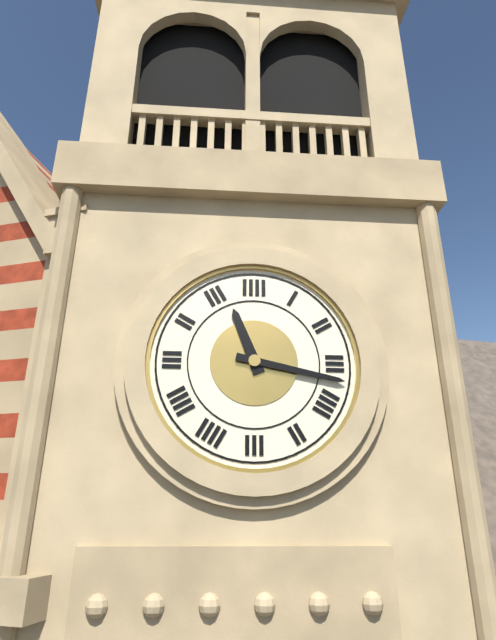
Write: h=11 m=17
